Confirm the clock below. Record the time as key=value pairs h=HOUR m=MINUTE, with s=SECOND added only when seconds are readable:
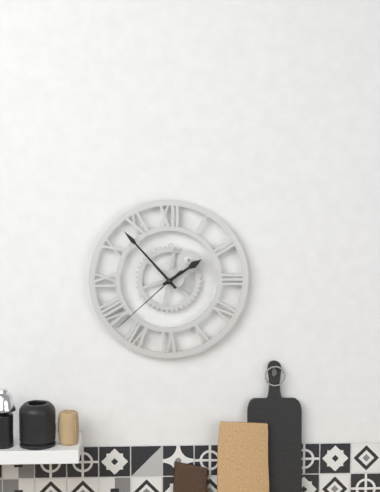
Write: h=1 m=53 s=38
